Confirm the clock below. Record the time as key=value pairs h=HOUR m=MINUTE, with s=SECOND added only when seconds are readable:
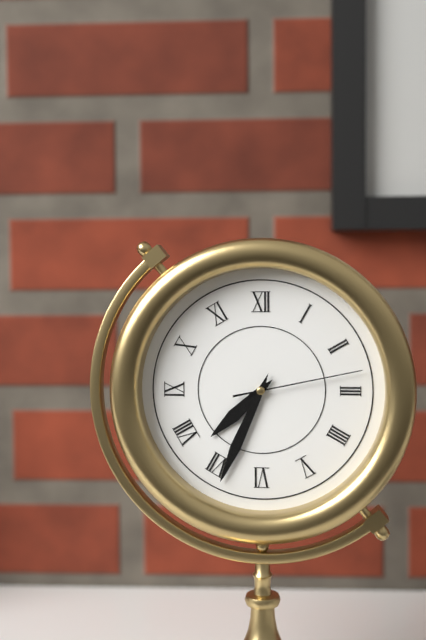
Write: h=7 m=34 s=13
